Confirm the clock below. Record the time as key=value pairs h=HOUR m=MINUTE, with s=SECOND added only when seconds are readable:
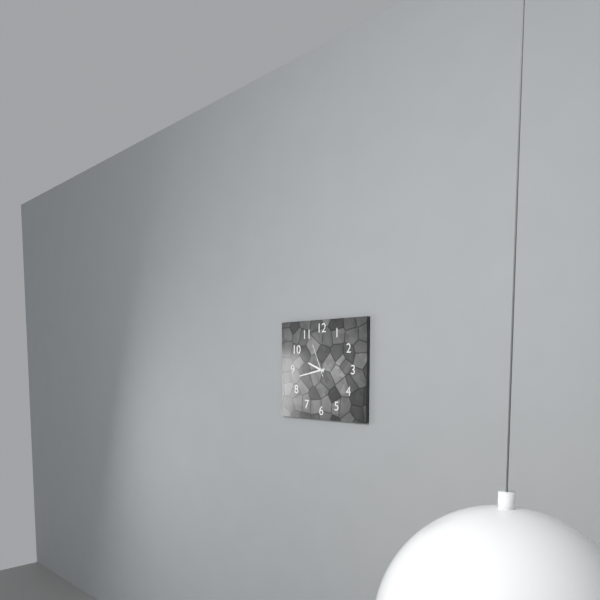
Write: h=9 m=43
